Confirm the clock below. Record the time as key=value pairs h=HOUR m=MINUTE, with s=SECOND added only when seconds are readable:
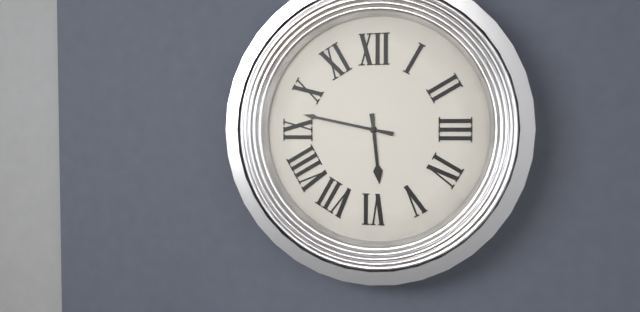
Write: h=5 m=47
